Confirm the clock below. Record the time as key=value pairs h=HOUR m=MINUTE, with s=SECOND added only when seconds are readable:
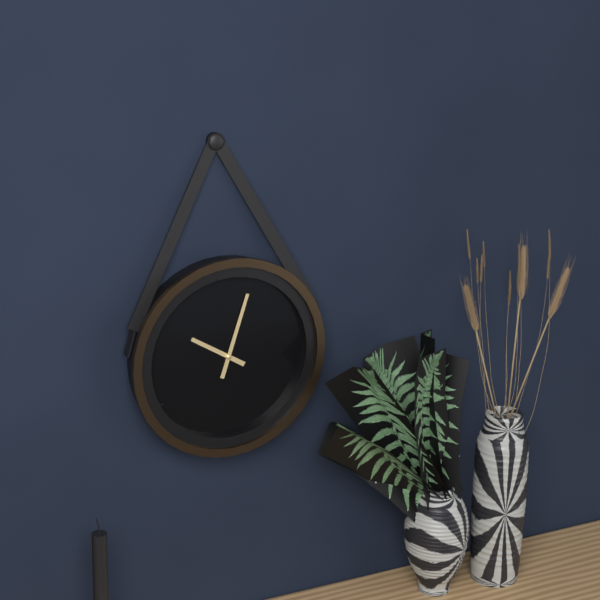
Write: h=10 m=3
